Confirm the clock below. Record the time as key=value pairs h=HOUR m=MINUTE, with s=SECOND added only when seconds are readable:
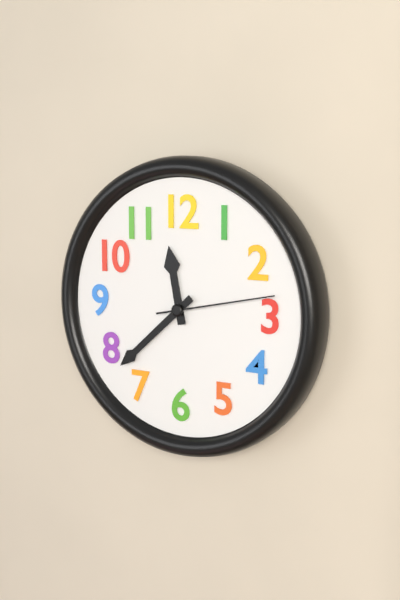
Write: h=11 m=38 s=13
